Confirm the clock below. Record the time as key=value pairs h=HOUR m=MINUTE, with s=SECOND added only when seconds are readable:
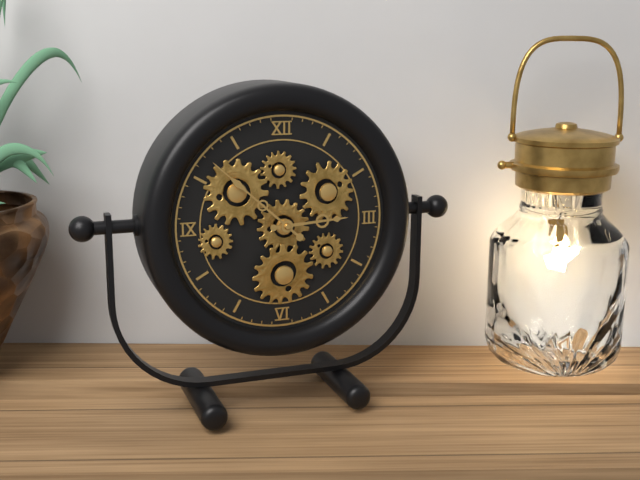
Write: h=2 m=52
